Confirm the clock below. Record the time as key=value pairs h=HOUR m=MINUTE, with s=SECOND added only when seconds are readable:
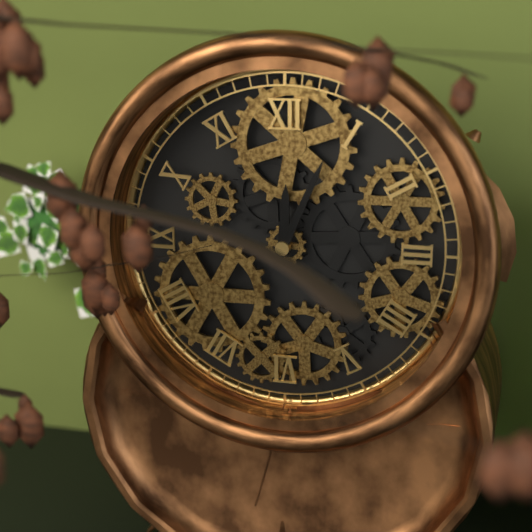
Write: h=12 m=4
